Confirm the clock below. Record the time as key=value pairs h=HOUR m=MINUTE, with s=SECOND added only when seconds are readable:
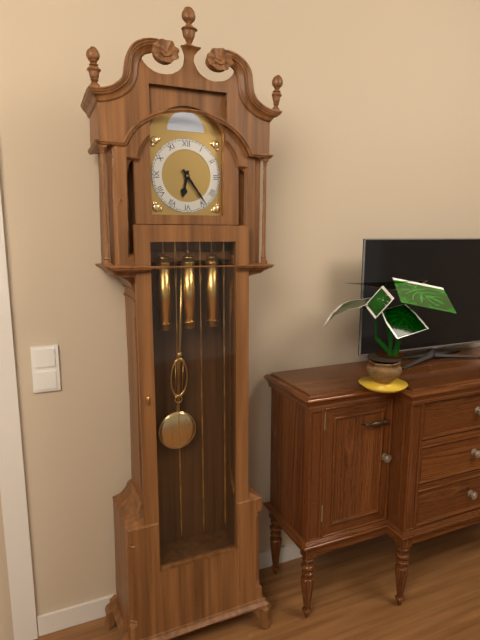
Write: h=6 m=24
